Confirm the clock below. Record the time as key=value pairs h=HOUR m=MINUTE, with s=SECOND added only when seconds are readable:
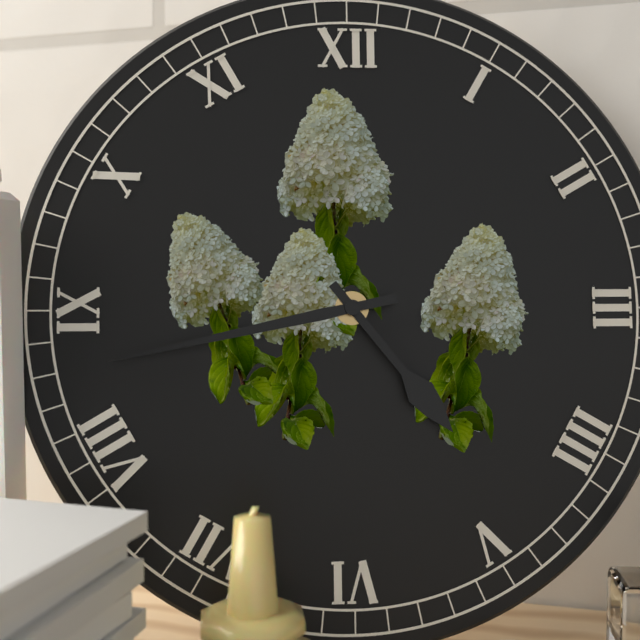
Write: h=4 m=43
